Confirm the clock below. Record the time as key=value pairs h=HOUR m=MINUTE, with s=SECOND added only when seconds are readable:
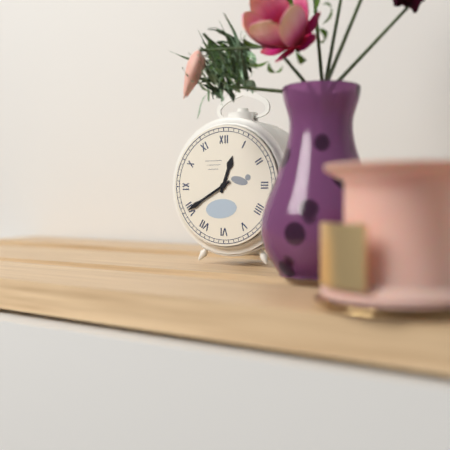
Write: h=12 m=40
